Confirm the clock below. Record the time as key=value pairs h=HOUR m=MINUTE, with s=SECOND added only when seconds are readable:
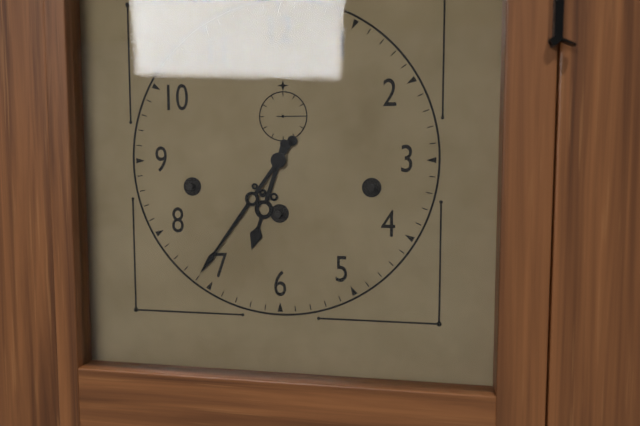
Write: h=6 m=36
